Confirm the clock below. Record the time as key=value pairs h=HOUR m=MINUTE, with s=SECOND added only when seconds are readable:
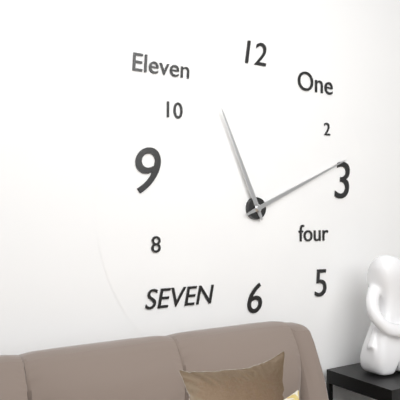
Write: h=11 m=11
